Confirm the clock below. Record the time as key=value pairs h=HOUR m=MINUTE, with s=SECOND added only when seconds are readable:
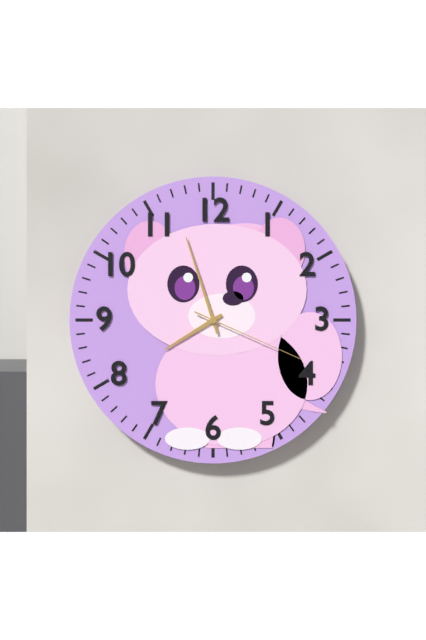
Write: h=7 m=57 s=19
